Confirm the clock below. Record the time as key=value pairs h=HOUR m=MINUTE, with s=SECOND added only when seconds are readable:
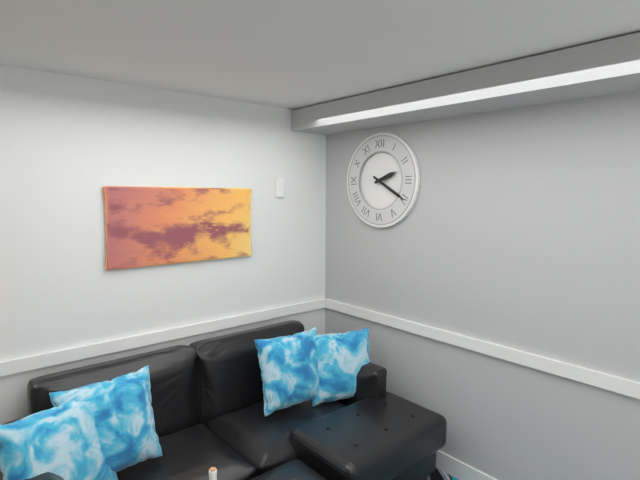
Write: h=2 m=20
